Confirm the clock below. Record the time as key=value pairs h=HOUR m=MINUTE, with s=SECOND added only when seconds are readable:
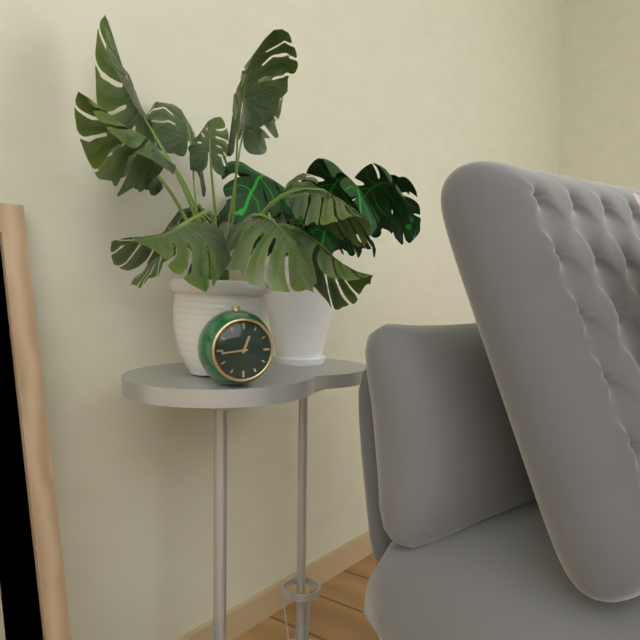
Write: h=12 m=44
